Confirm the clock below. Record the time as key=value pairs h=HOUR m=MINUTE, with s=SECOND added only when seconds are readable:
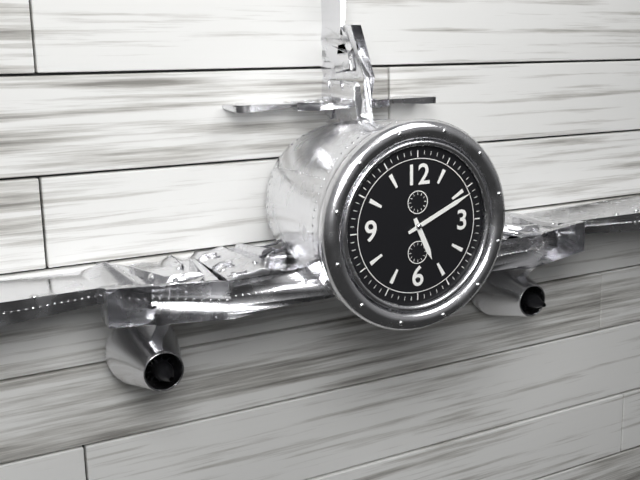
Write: h=5 m=11
